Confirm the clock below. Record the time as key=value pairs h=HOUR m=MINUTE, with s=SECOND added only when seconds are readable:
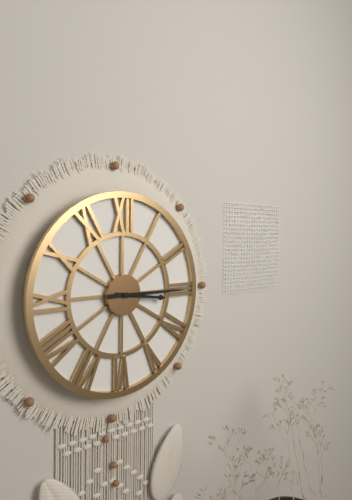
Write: h=3 m=15
